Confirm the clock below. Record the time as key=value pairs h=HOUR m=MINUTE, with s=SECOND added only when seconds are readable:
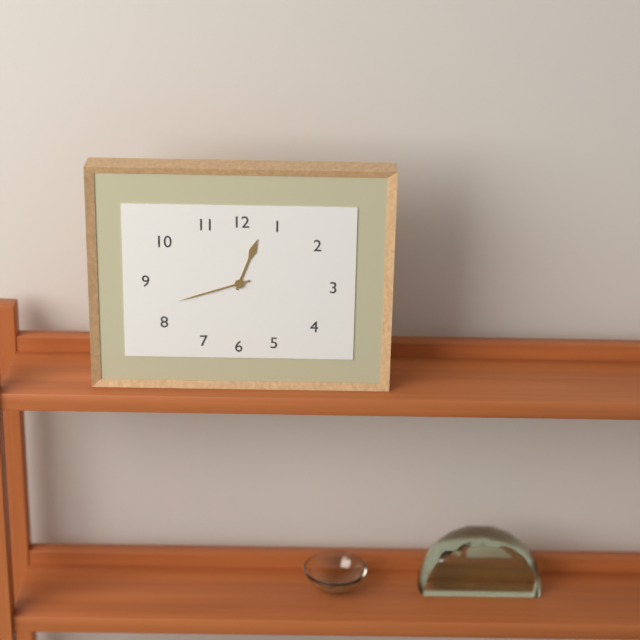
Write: h=12 m=42
